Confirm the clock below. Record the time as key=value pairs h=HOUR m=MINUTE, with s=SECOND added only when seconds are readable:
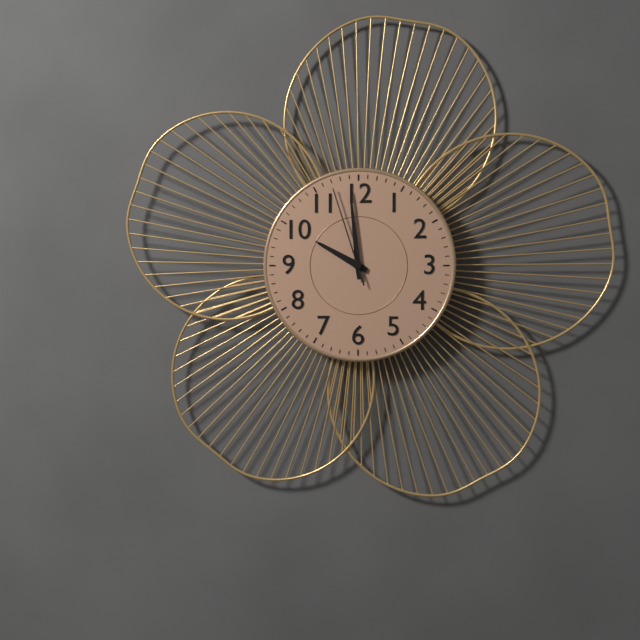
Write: h=9 m=59 s=57
